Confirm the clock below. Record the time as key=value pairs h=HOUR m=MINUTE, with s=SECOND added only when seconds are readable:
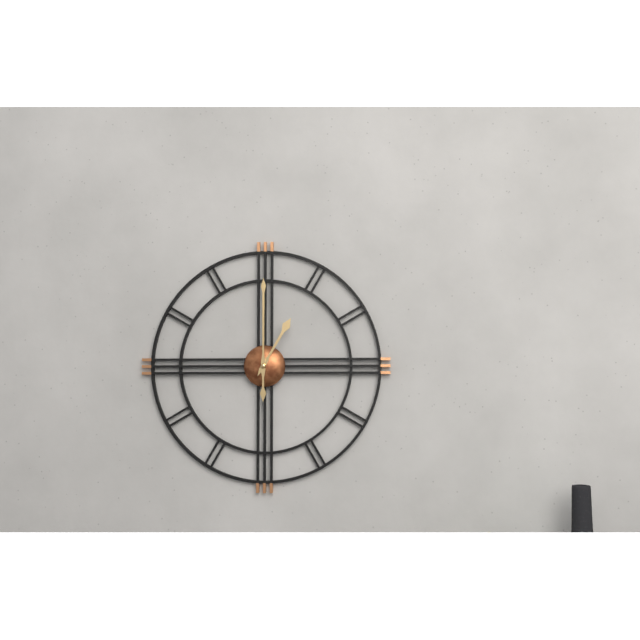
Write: h=1 m=0
